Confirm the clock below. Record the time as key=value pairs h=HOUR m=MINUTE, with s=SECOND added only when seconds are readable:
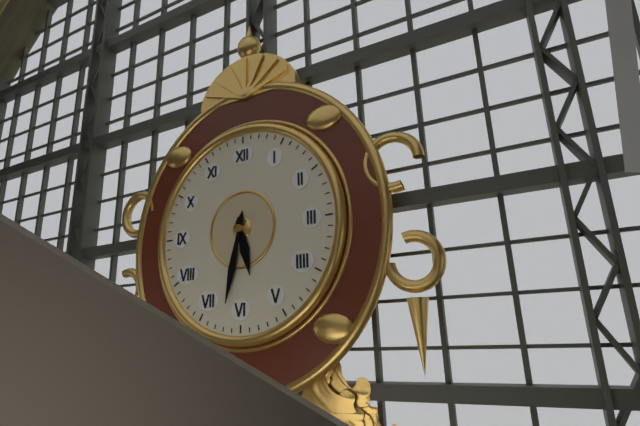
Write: h=5 m=32
